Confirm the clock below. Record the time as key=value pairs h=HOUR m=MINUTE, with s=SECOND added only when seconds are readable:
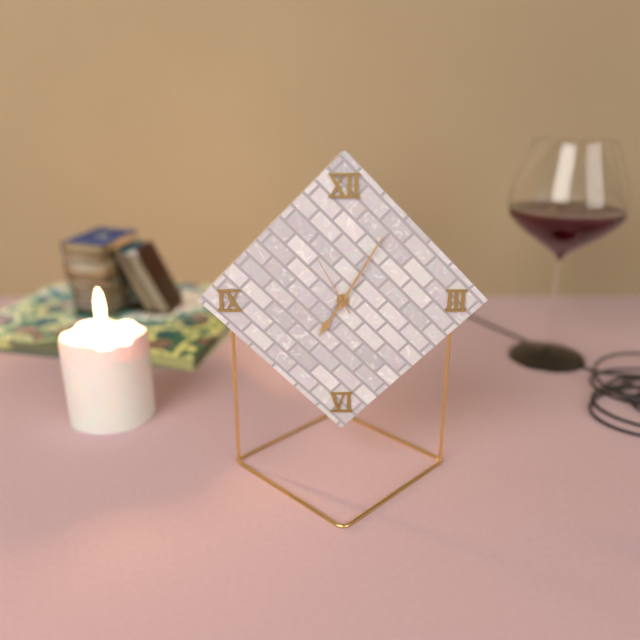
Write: h=7 m=5 s=55
